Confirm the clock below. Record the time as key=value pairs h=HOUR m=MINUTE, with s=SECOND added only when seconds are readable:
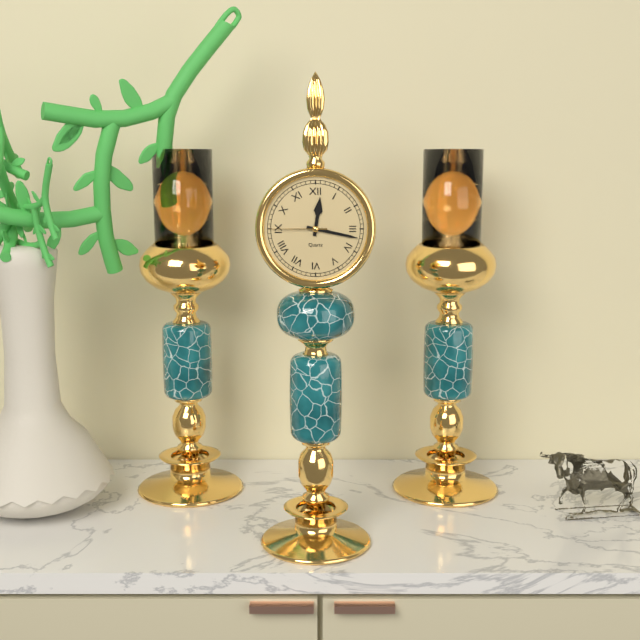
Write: h=12 m=17 s=45
